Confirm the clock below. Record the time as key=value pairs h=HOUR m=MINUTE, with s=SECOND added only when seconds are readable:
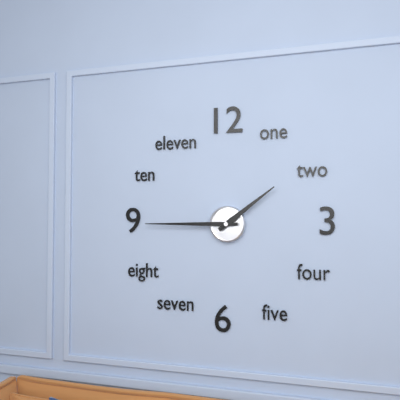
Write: h=1 m=45
